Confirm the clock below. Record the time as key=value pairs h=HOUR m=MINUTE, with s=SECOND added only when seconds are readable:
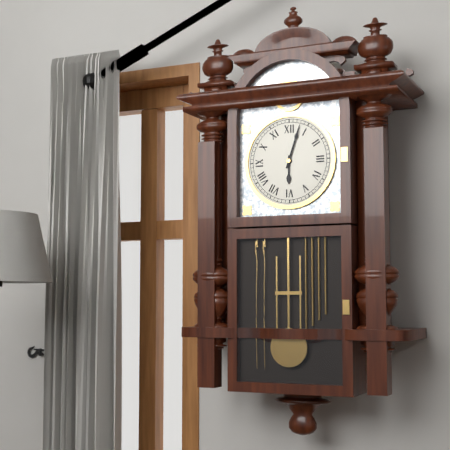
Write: h=6 m=3
